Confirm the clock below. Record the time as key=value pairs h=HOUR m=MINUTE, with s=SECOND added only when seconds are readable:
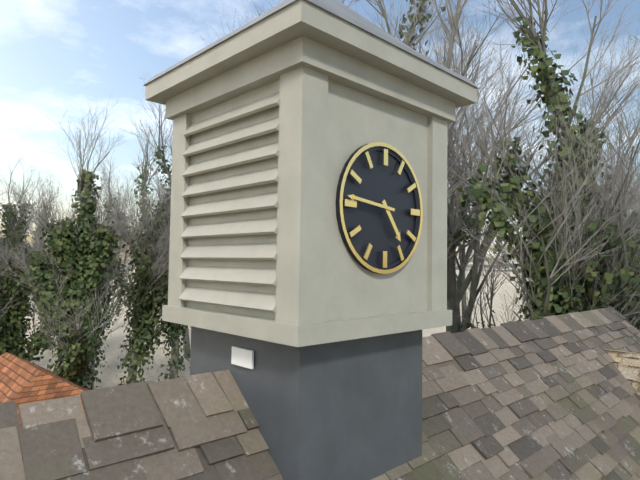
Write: h=4 m=46
